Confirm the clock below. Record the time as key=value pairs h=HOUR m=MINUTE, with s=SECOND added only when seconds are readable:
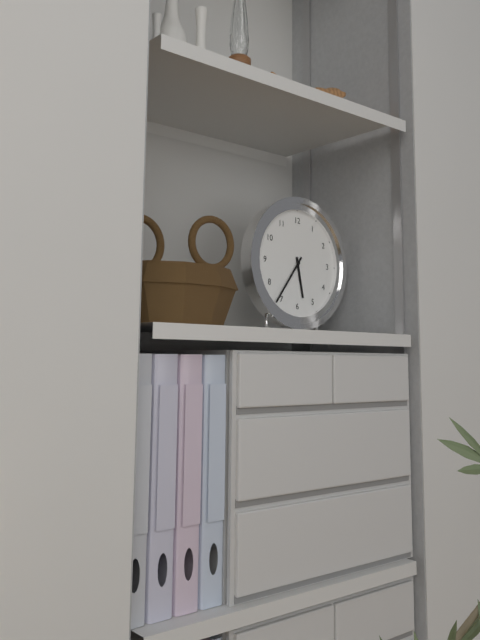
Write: h=5 m=36
